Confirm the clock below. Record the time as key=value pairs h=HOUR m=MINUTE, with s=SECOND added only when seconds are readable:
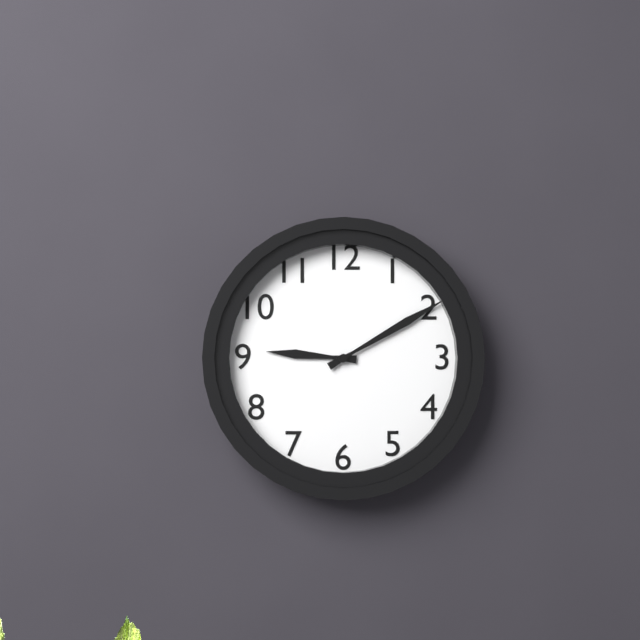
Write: h=9 m=10
